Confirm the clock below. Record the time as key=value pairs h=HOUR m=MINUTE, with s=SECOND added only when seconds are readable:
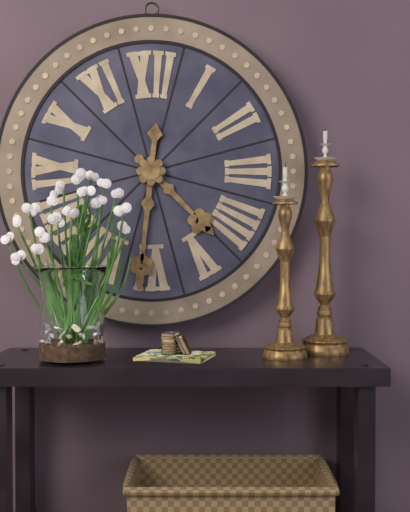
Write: h=4 m=31
